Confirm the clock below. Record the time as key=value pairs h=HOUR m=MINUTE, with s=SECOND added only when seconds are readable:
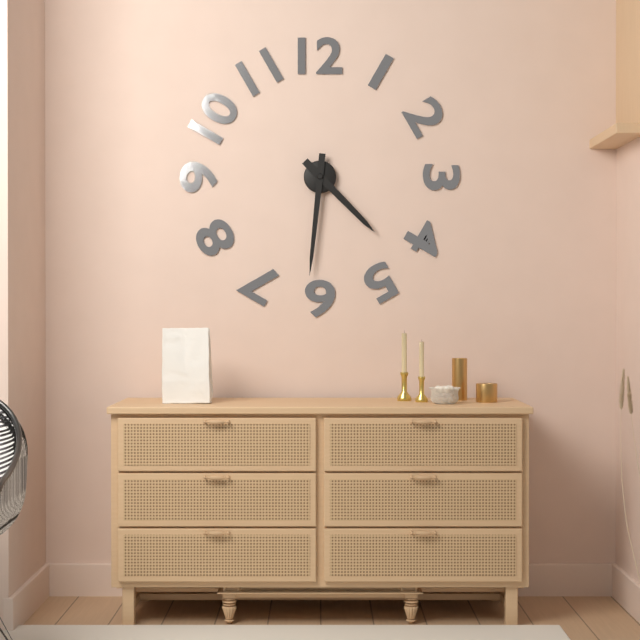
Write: h=4 m=31
